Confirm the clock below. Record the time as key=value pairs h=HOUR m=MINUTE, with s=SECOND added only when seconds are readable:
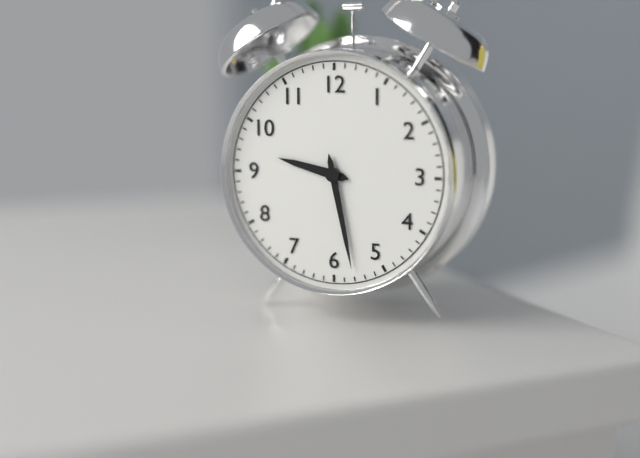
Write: h=9 m=28
